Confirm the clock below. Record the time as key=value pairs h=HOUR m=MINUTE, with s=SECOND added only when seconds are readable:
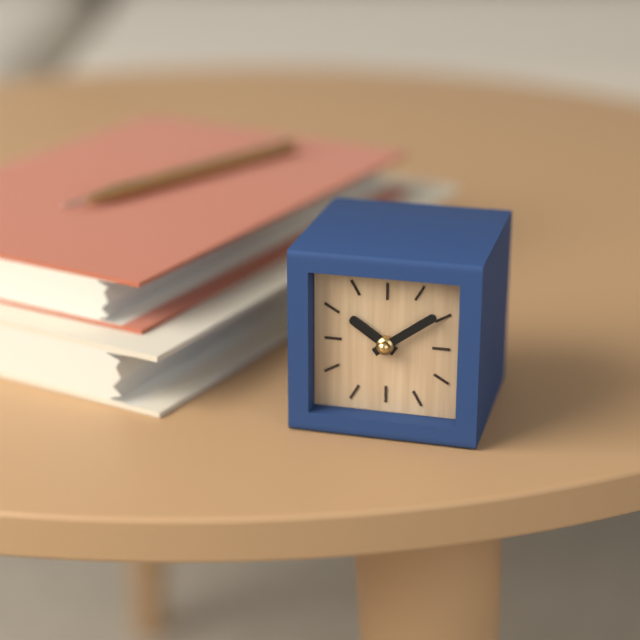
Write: h=10 m=9
